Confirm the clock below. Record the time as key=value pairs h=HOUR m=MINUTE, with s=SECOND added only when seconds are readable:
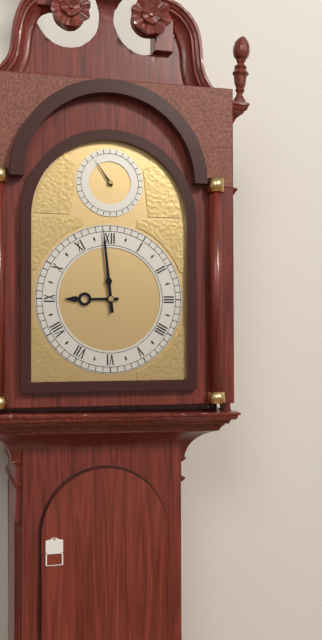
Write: h=8 m=59
